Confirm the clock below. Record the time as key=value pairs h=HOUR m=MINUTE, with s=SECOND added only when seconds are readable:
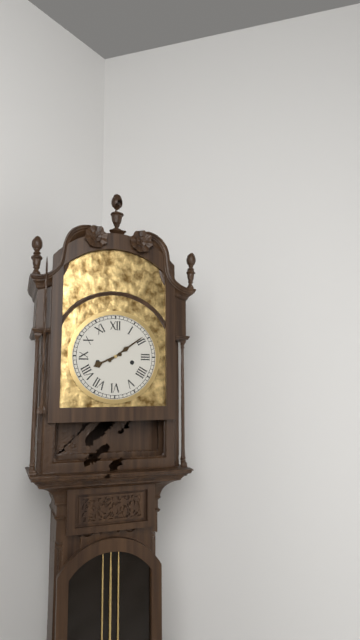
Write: h=8 m=9
